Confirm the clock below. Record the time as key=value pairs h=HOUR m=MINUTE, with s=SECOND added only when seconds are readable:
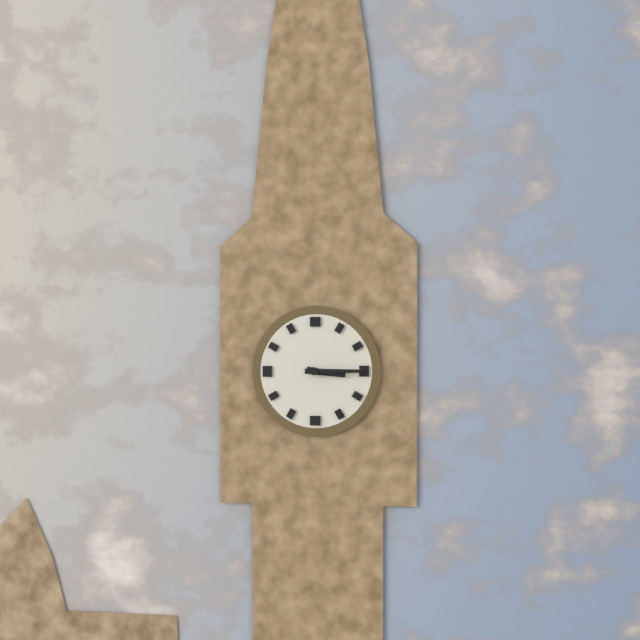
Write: h=3 m=15
